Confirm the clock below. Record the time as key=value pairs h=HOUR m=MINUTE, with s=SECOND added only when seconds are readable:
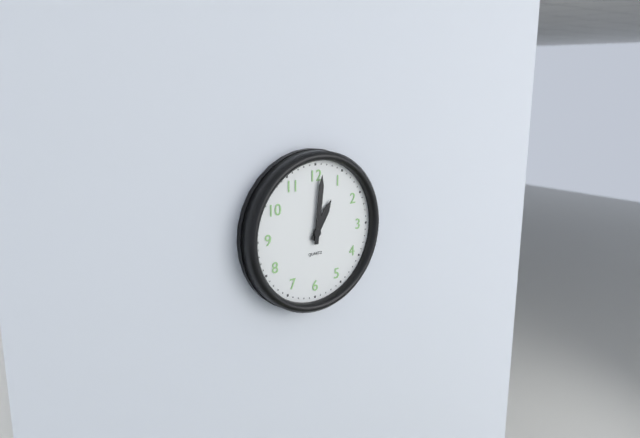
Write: h=1 m=1
